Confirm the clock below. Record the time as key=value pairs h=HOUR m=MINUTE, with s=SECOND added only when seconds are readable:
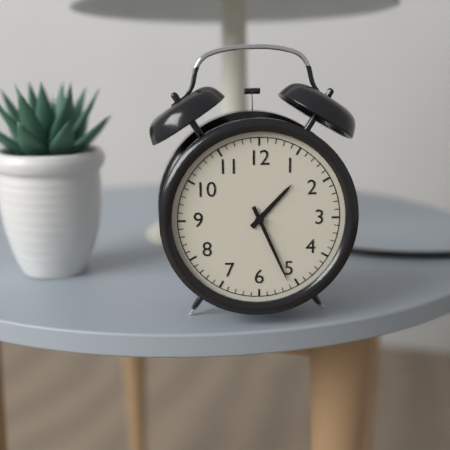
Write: h=1 m=26
